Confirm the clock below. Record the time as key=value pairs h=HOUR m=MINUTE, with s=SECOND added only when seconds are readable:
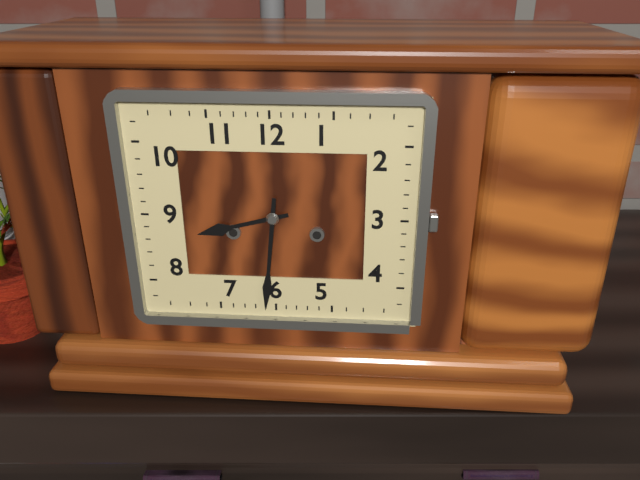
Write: h=8 m=31
